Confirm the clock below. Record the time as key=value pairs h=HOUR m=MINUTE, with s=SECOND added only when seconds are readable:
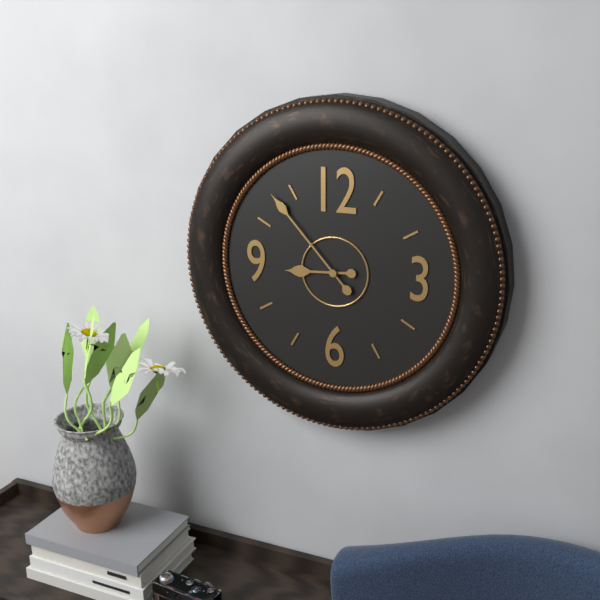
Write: h=8 m=53
